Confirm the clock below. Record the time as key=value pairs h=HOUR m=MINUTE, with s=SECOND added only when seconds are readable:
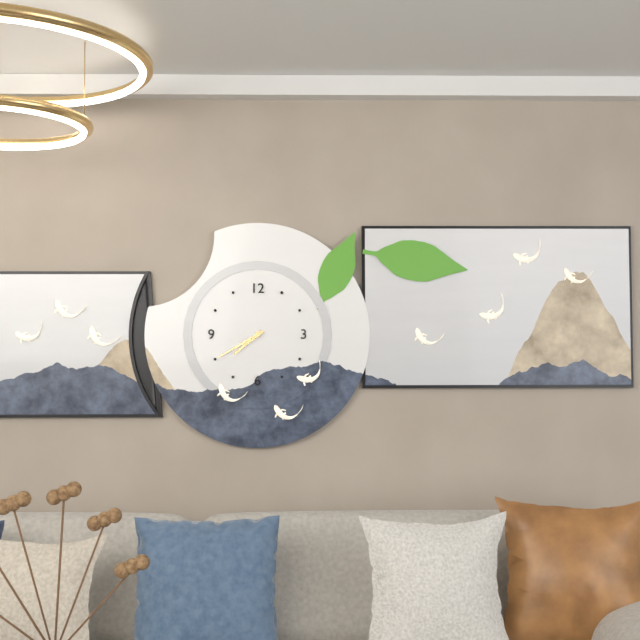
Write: h=7 m=40
